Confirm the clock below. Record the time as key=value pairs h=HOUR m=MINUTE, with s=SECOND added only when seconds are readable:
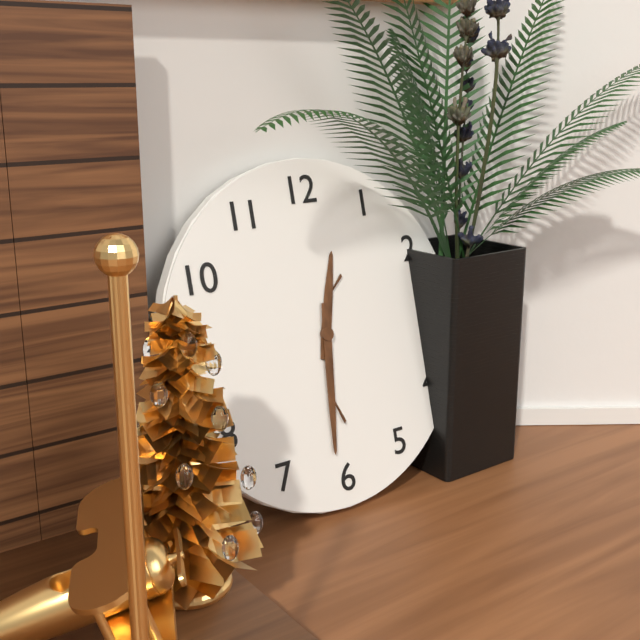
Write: h=12 m=31
